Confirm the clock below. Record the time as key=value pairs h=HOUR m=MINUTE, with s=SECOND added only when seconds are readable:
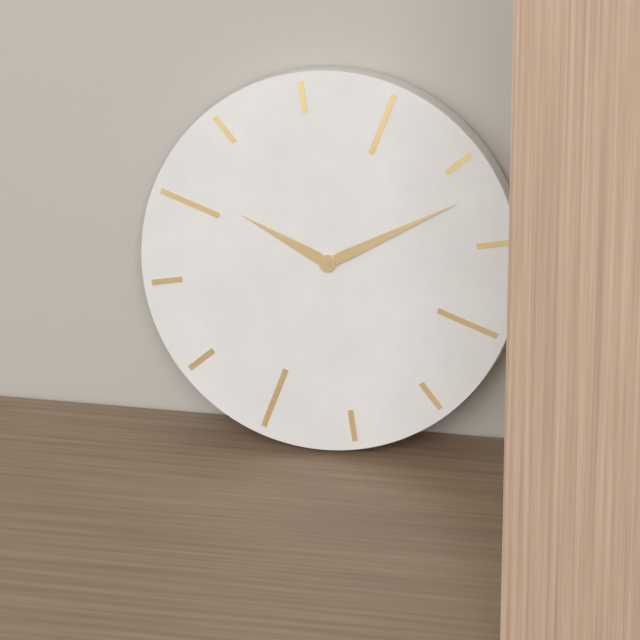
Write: h=10 m=12
